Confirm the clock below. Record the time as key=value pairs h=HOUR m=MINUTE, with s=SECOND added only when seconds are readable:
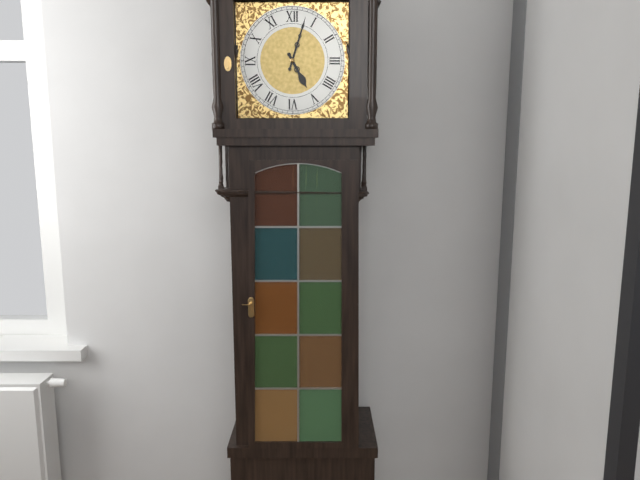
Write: h=5 m=3
